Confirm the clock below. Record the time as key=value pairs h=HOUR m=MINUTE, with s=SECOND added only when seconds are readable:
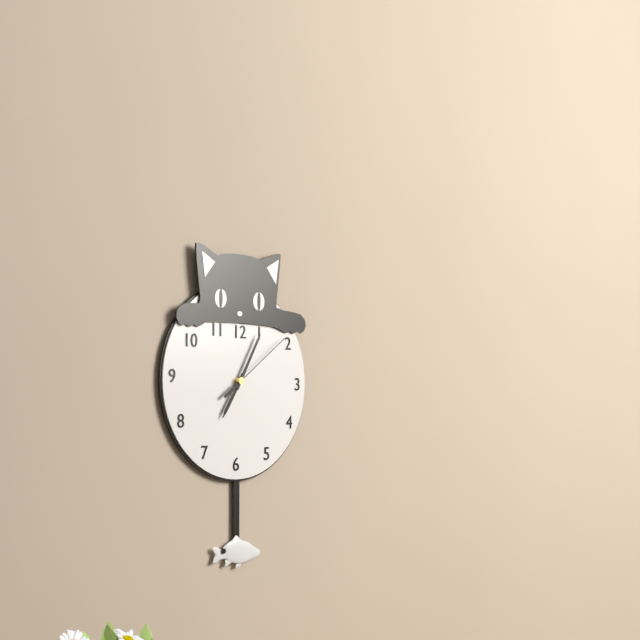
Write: h=7 m=5 s=9
